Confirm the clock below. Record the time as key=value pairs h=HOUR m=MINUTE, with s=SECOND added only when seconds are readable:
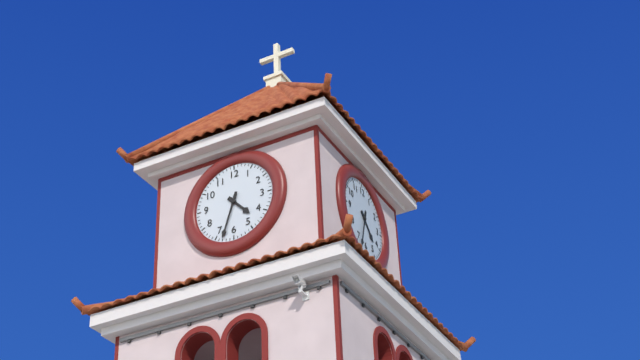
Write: h=4 m=33
